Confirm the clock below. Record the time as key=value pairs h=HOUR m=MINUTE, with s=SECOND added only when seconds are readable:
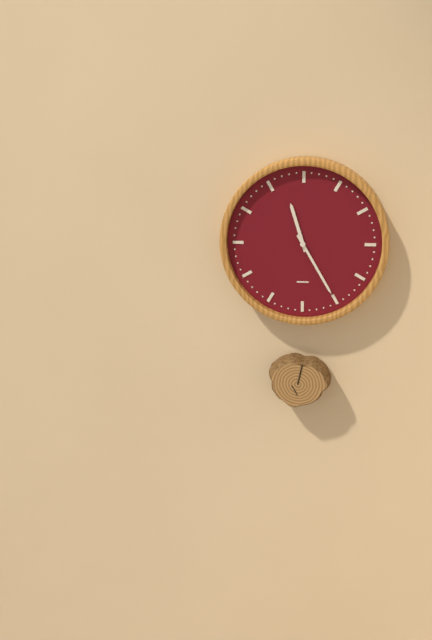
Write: h=11 m=25
